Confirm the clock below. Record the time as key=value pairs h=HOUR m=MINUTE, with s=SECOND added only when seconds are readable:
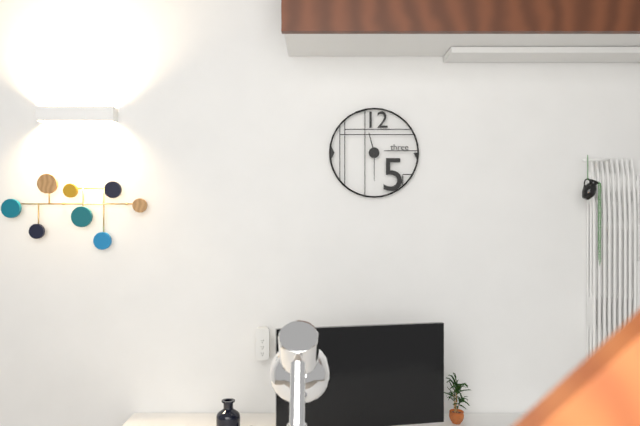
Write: h=11 m=30
